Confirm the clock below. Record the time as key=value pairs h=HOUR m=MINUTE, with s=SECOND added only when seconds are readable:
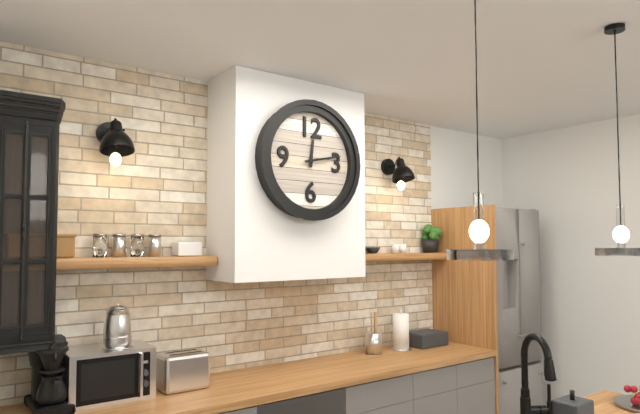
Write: h=12 m=13
